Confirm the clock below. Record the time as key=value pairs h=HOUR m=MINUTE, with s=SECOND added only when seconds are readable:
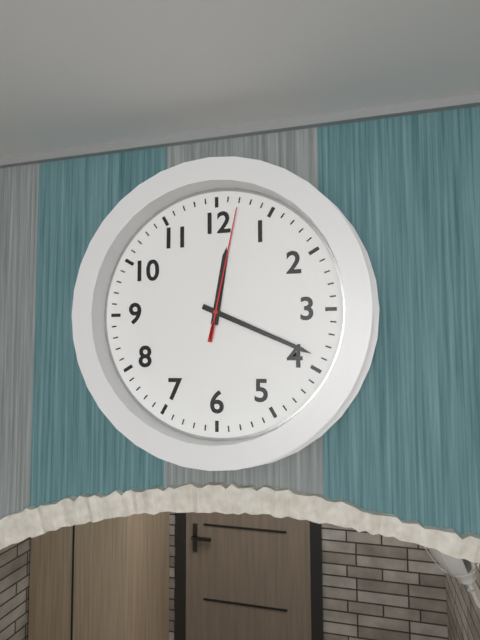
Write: h=12 m=19 s=2
